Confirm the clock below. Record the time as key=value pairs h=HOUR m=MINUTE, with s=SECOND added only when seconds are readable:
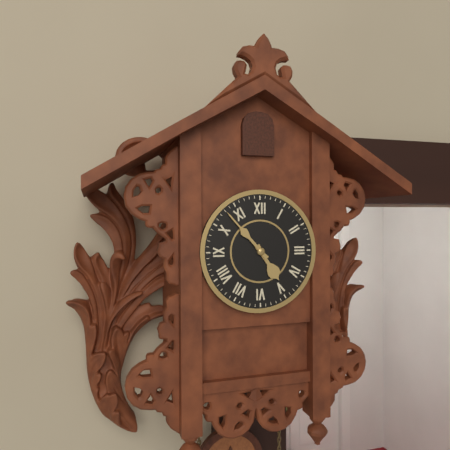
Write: h=4 m=53
